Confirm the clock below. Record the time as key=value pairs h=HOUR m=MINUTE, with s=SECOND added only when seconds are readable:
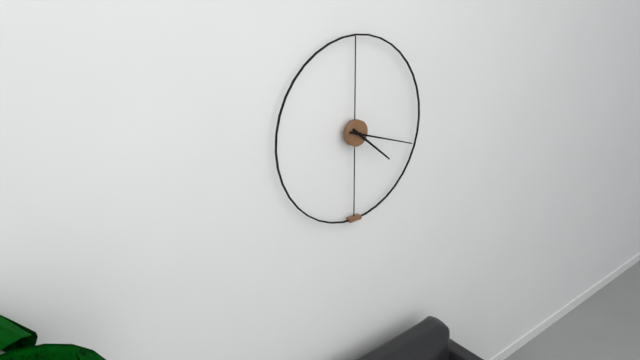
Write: h=4 m=18
